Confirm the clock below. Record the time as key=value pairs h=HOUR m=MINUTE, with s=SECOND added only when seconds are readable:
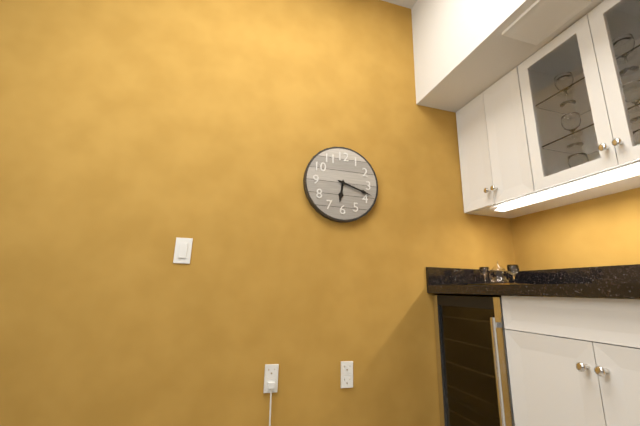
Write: h=6 m=18
